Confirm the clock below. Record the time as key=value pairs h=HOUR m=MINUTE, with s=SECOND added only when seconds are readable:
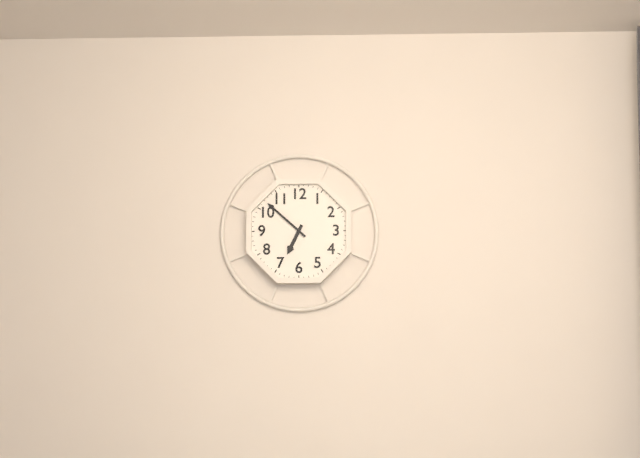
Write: h=6 m=52
